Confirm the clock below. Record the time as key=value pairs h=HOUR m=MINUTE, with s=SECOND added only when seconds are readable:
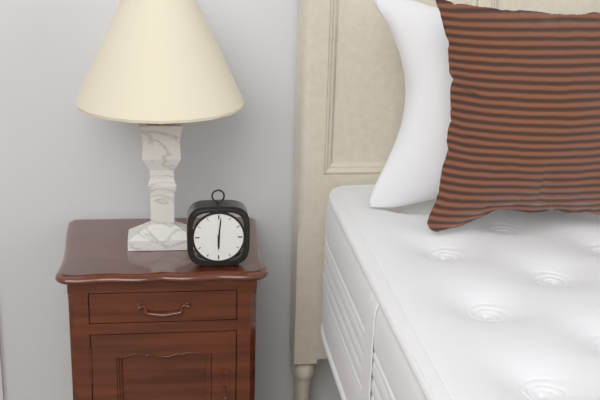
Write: h=6 m=1
